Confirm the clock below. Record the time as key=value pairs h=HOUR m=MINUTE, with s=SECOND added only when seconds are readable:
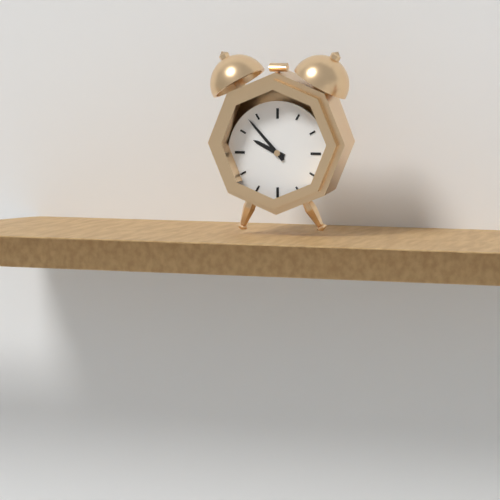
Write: h=9 m=53
